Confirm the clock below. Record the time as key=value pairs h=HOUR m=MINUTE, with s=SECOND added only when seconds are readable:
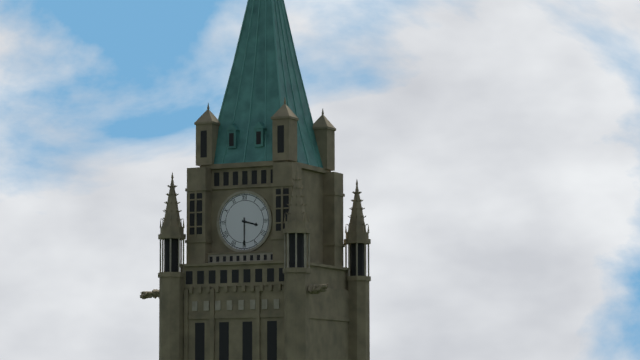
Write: h=3 m=30
